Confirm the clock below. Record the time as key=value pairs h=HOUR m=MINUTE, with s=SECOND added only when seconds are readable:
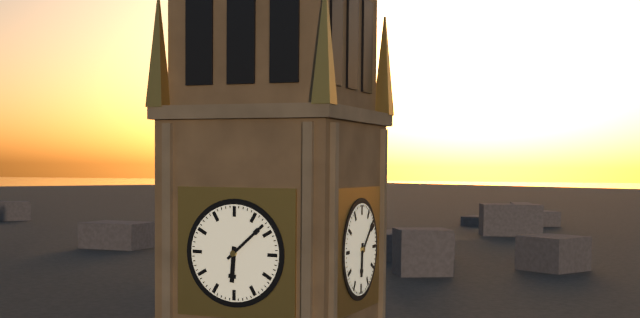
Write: h=6 m=8
